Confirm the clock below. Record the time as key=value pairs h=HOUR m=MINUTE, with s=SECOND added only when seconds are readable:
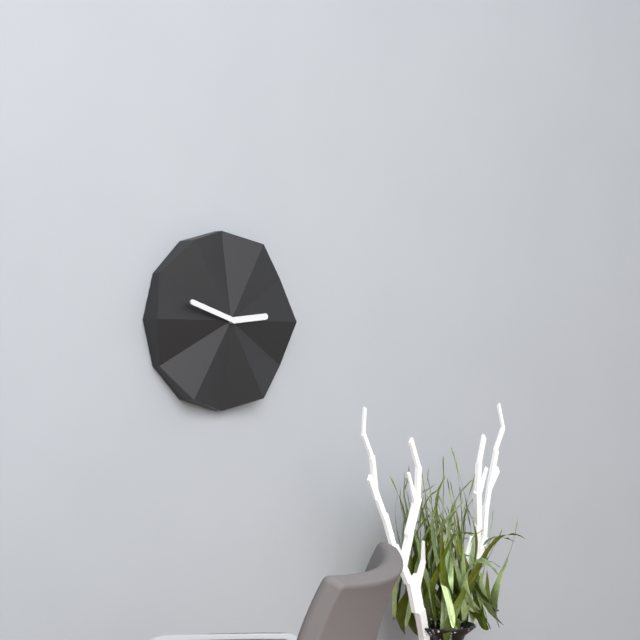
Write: h=2 m=48
